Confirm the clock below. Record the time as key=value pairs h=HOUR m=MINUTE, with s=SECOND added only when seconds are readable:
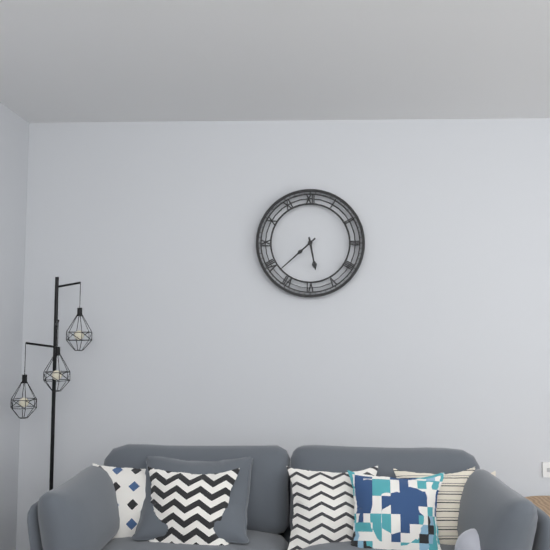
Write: h=5 m=38
